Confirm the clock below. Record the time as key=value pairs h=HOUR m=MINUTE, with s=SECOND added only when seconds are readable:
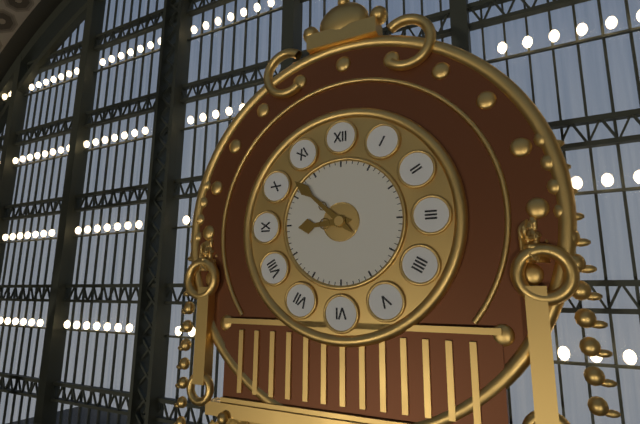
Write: h=8 m=52
